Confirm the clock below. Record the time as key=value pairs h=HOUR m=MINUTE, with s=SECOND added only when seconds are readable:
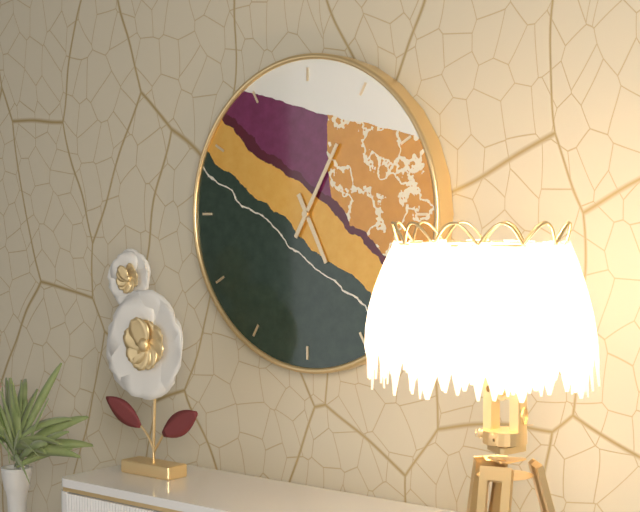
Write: h=5 m=5
